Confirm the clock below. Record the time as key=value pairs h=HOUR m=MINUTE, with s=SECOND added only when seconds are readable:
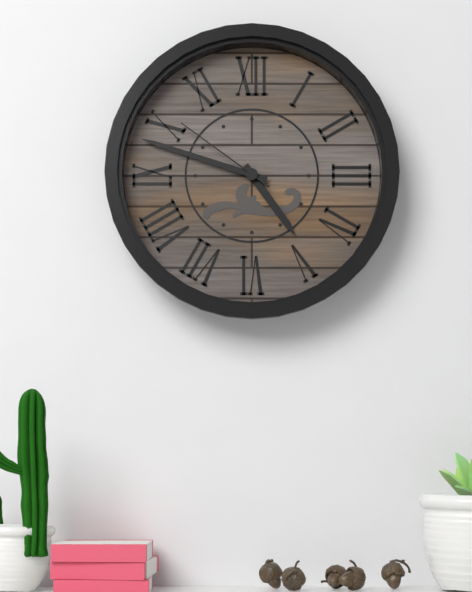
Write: h=4 m=48 s=51
